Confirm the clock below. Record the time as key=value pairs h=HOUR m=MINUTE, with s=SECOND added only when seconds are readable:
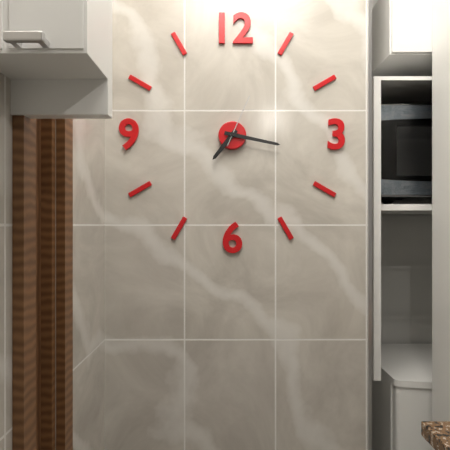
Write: h=7 m=17 s=4
